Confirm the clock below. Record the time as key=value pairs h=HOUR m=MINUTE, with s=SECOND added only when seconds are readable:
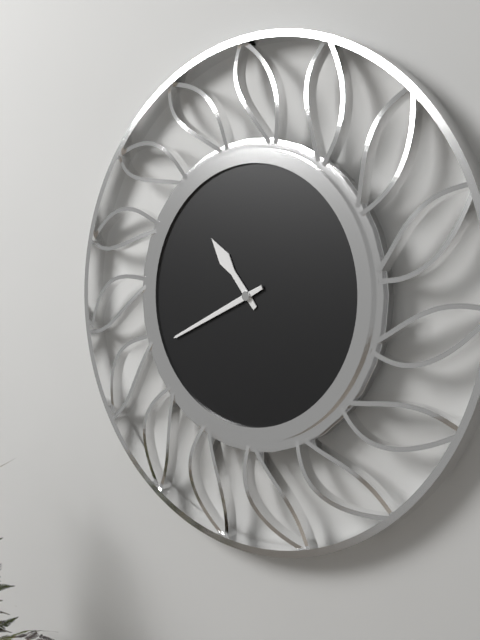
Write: h=10 m=41
